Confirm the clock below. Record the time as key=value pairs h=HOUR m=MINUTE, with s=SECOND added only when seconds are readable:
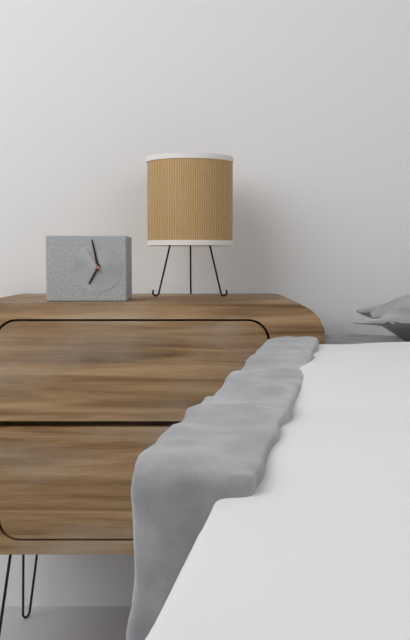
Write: h=6 m=58
